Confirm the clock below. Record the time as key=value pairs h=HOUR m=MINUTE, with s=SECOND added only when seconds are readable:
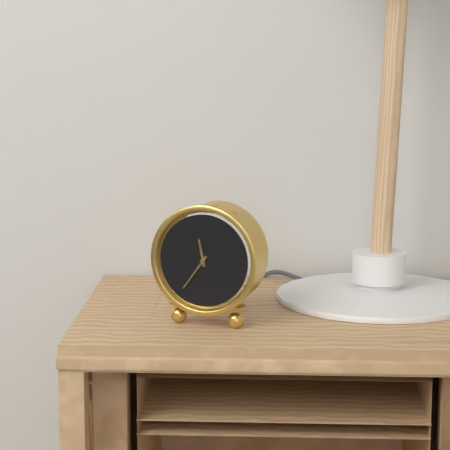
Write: h=11 m=36
